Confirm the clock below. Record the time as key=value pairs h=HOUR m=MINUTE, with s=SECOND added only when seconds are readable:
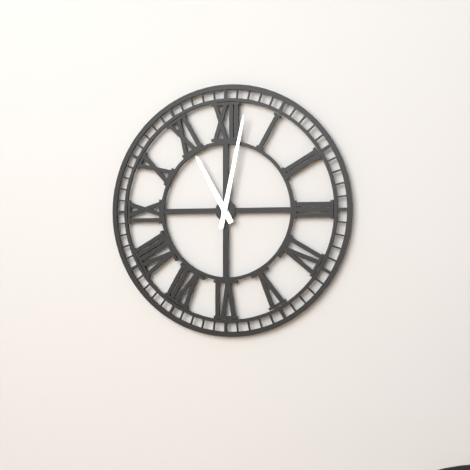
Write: h=11 m=2
